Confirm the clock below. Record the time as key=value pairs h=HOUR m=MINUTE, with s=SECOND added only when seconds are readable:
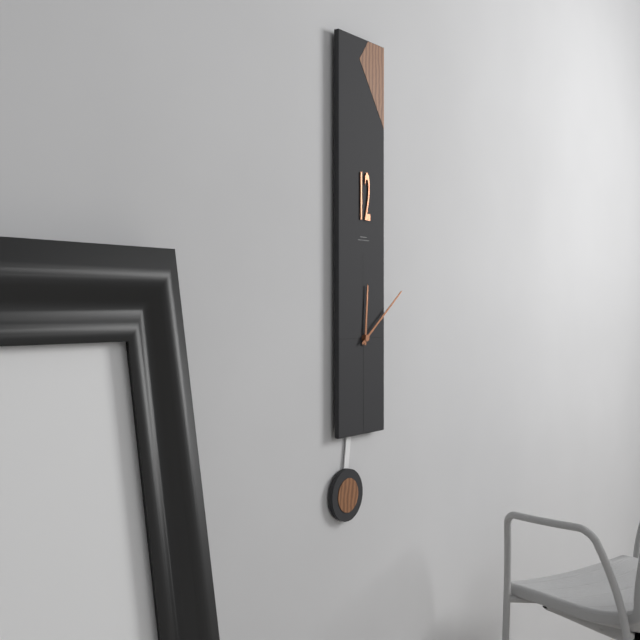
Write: h=12 m=9
